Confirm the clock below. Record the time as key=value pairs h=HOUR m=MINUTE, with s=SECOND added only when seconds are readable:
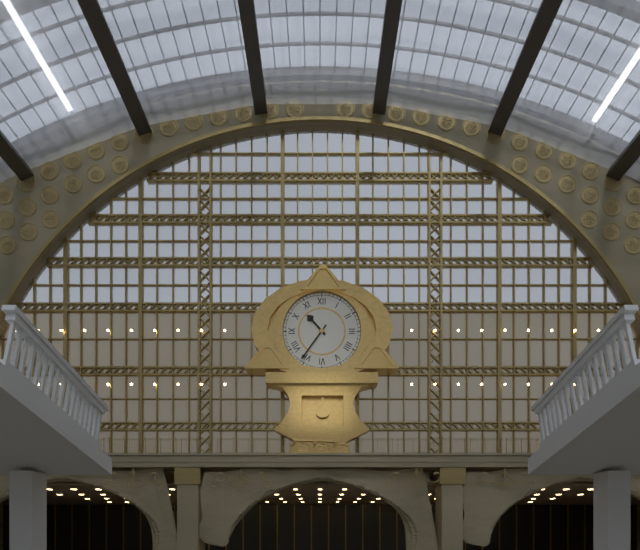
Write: h=10 m=36
